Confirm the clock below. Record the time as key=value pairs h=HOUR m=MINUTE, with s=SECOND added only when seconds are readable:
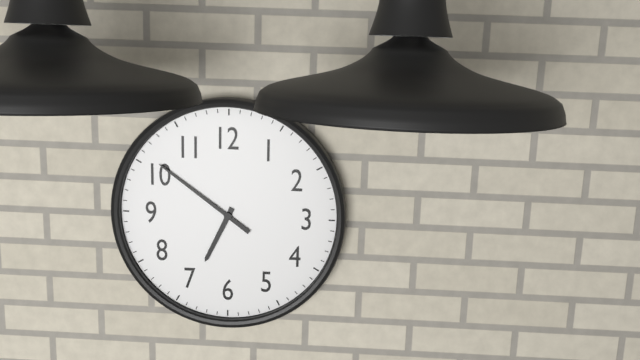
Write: h=6 m=51
